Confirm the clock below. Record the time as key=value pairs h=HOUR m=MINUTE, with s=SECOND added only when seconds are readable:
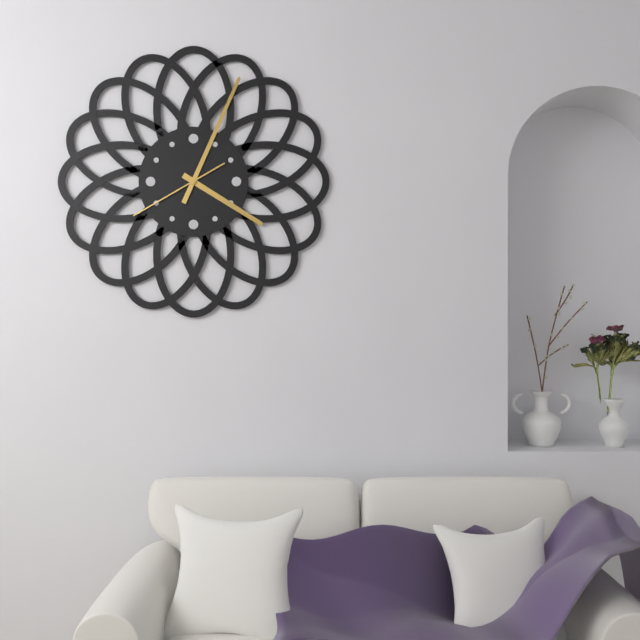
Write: h=4 m=4 s=40
